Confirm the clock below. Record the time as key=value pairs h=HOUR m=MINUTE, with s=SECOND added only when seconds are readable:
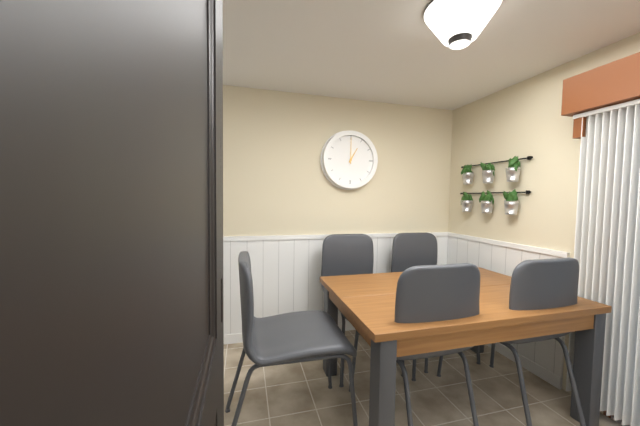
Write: h=1 m=0
